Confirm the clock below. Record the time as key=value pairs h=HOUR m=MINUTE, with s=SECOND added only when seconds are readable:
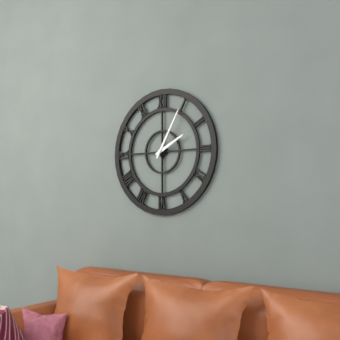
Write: h=2 m=5
